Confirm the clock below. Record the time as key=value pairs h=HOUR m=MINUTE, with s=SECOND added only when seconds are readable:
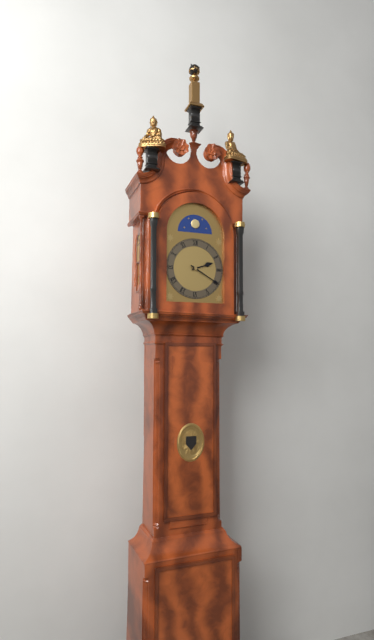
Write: h=2 m=20
